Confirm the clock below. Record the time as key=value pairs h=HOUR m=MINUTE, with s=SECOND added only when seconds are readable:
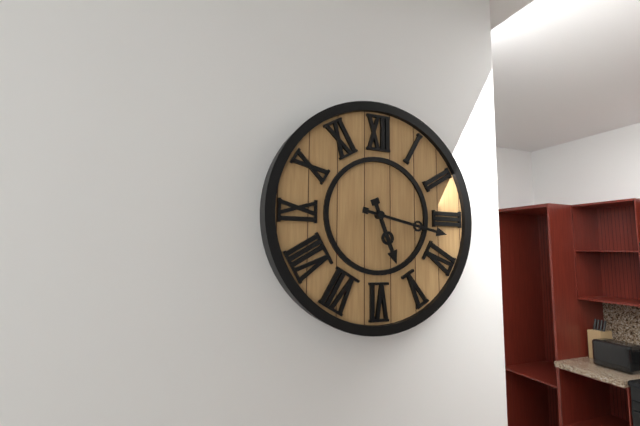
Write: h=5 m=17
